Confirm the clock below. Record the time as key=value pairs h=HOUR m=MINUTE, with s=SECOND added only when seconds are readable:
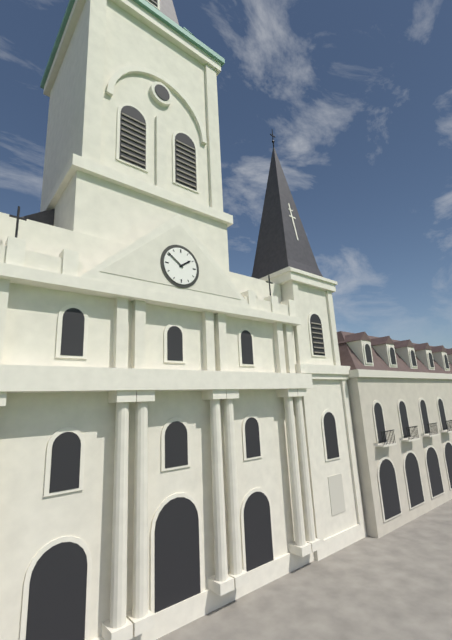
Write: h=1 m=51
